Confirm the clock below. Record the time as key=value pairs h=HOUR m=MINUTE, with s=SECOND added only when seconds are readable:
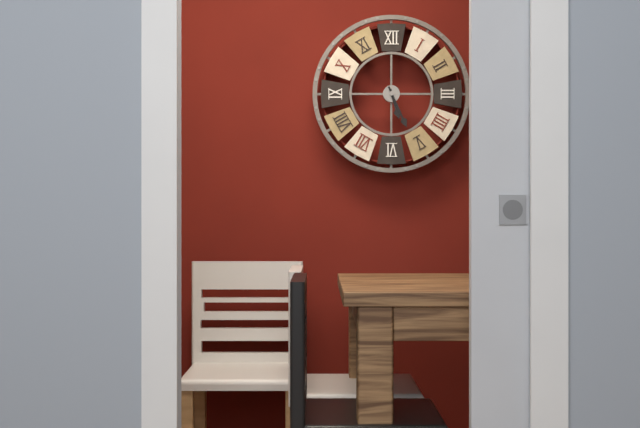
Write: h=5 m=26
